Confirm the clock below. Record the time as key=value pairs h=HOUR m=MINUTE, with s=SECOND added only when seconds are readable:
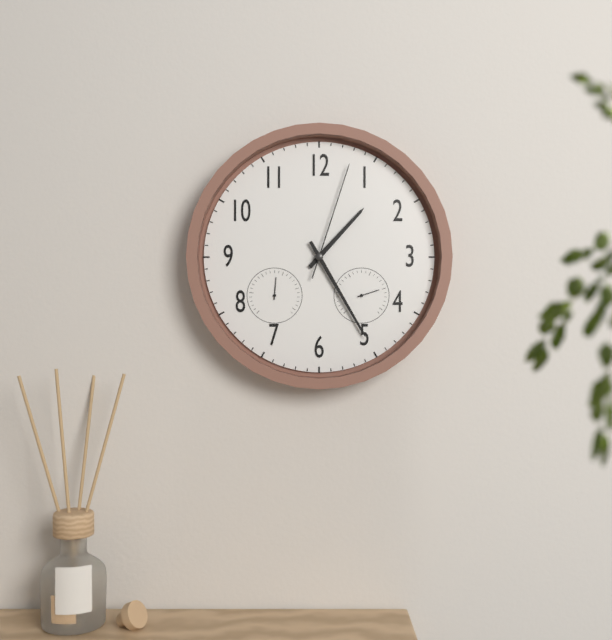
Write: h=1 m=25 s=3
